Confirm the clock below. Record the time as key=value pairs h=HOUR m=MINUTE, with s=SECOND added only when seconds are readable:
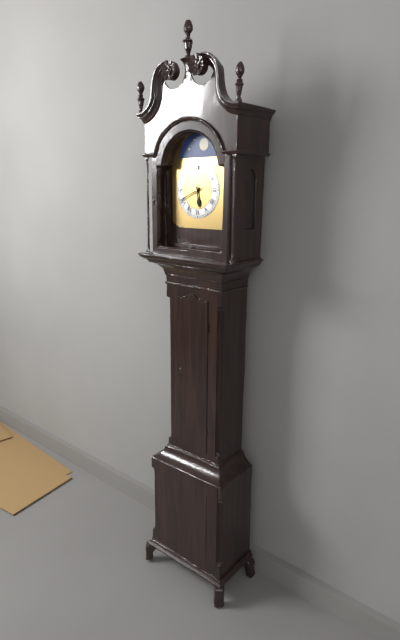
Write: h=5 m=41
